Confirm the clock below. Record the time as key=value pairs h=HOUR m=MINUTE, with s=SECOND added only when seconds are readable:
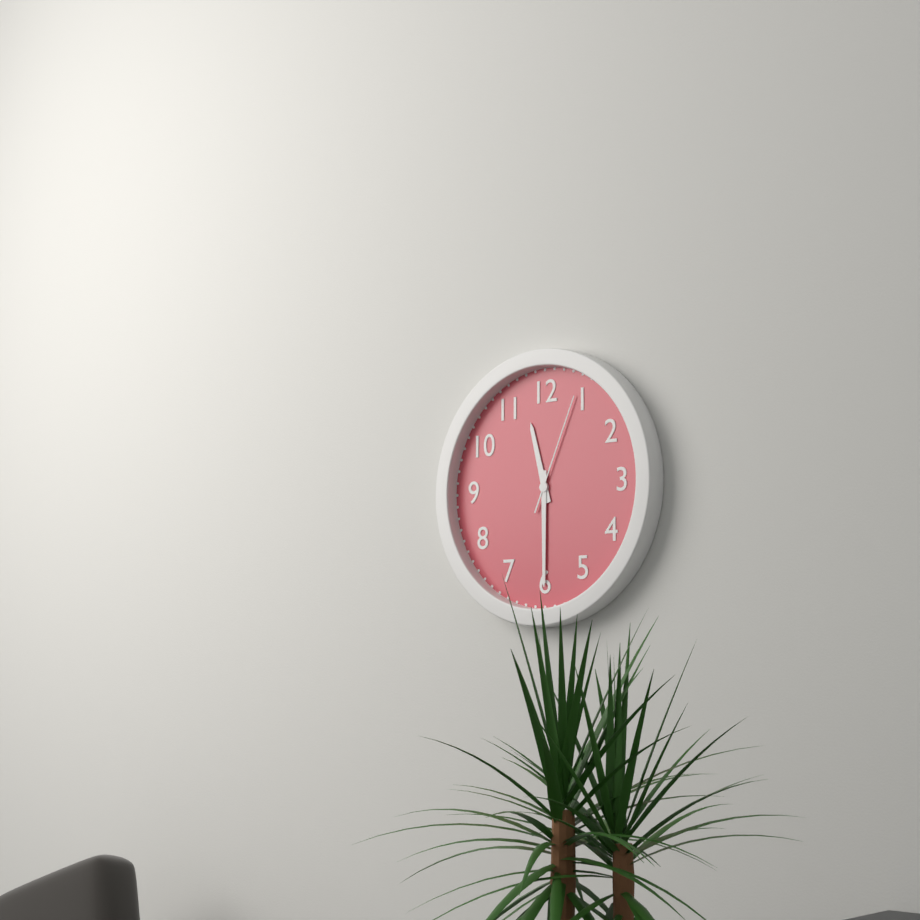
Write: h=11 m=30 s=4
